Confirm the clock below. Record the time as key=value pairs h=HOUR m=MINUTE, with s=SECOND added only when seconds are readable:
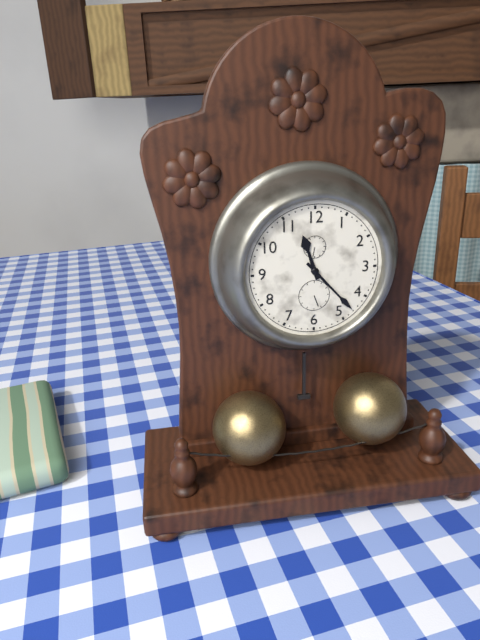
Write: h=11 m=23
